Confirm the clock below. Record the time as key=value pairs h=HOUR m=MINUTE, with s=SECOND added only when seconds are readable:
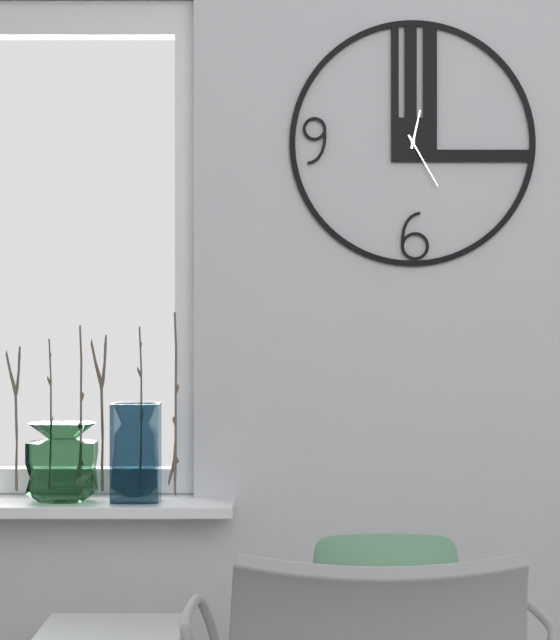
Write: h=12 m=25
